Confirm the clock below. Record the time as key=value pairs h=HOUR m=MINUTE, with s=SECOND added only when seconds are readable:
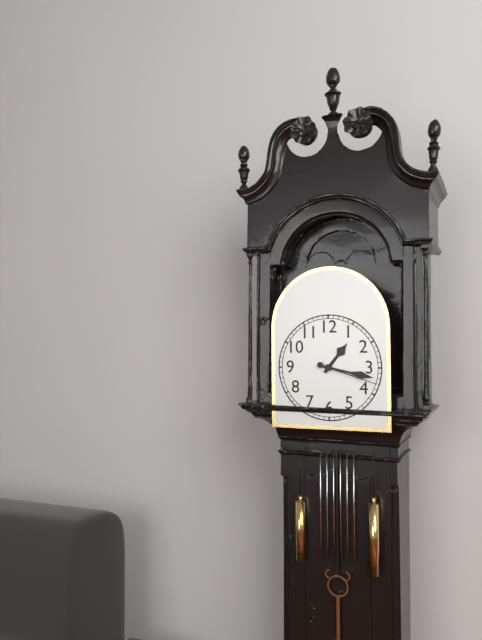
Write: h=1 m=17 s=18
